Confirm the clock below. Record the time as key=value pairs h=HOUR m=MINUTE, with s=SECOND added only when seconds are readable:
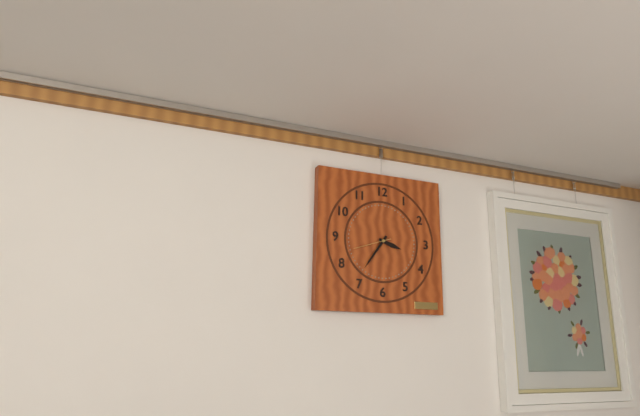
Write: h=3 m=36
